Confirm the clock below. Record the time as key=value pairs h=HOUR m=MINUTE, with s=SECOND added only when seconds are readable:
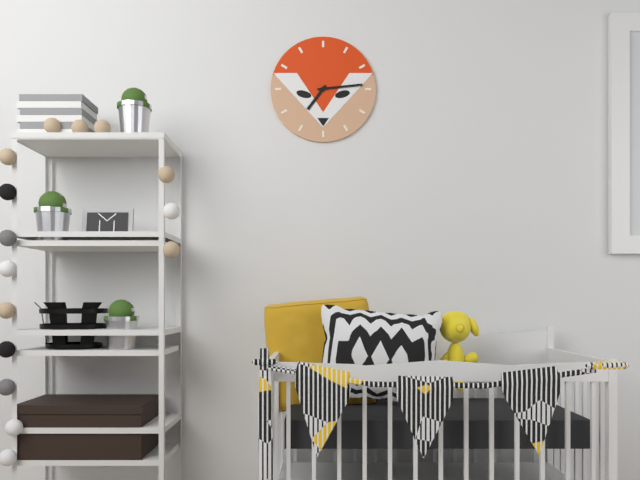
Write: h=7 m=14
